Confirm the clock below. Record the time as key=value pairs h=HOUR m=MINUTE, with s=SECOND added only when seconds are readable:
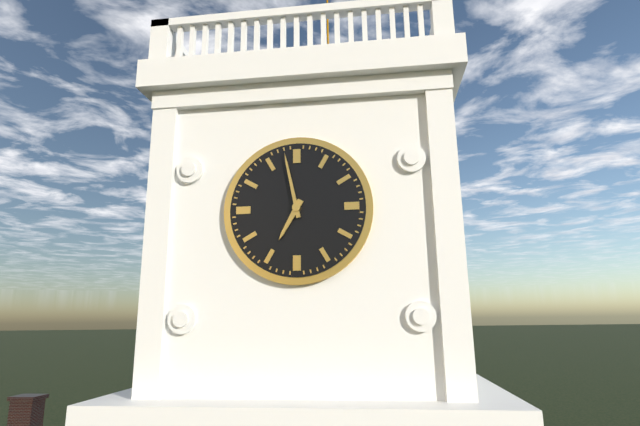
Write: h=6 m=58
